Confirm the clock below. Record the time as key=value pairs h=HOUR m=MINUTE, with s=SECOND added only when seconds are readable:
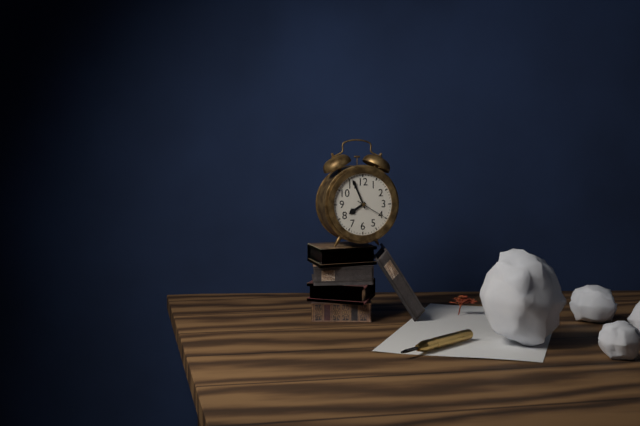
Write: h=7 m=56
